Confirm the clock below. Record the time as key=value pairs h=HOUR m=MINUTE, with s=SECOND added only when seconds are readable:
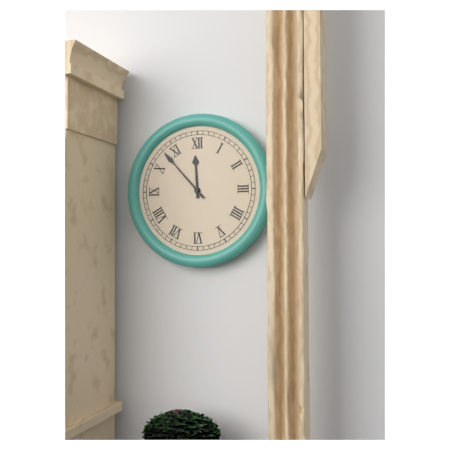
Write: h=11 m=53
